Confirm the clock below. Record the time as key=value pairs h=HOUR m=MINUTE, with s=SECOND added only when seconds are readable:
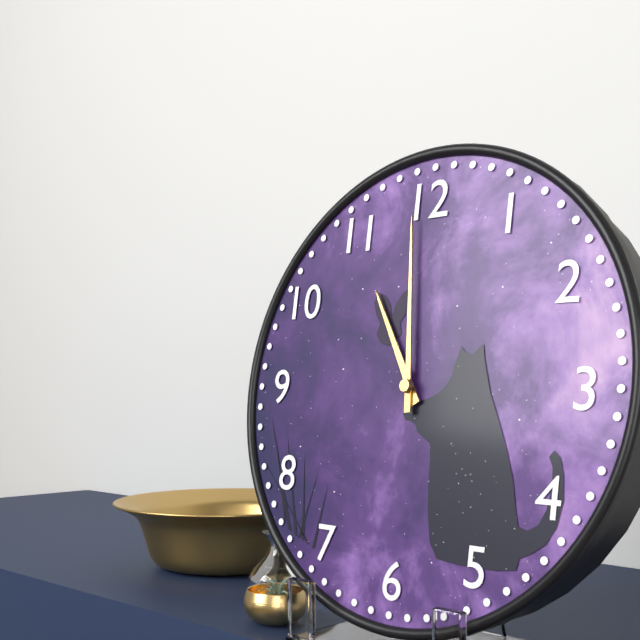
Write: h=10 m=59
